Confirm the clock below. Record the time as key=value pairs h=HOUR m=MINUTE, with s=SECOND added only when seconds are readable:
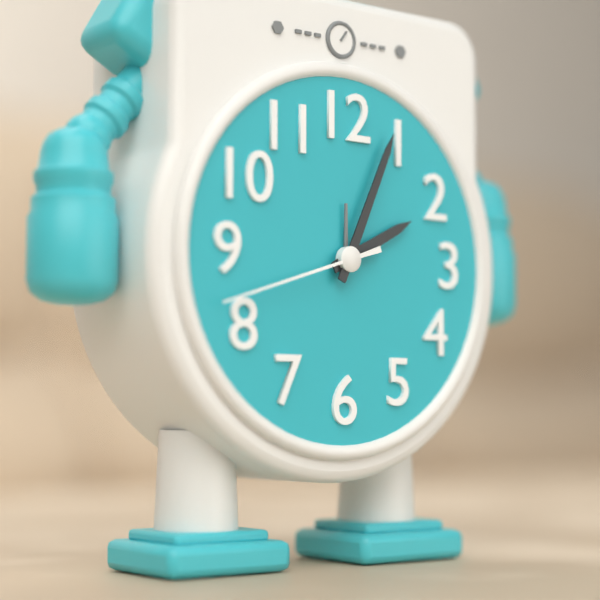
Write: h=2 m=4 s=42
